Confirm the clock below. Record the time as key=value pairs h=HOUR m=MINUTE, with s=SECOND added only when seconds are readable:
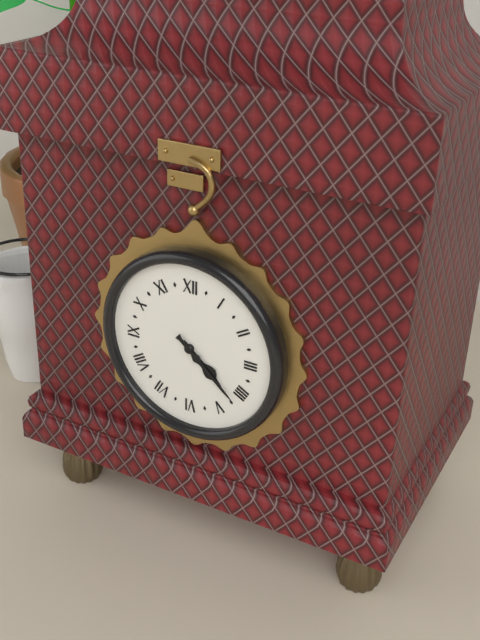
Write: h=4 m=22
